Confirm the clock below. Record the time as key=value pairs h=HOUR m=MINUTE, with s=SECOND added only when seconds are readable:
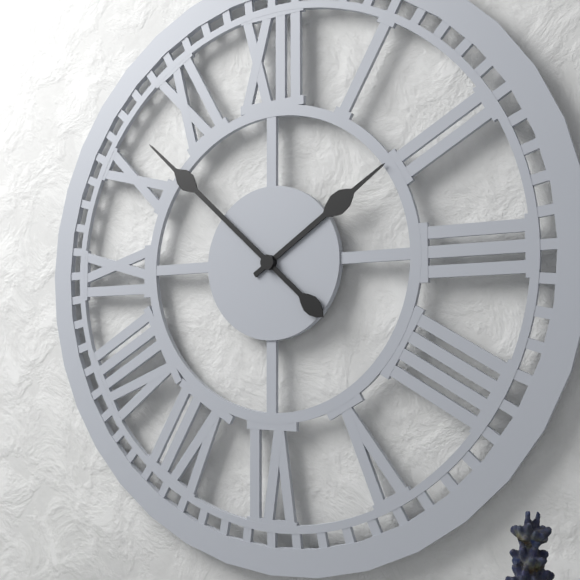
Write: h=1 m=52
